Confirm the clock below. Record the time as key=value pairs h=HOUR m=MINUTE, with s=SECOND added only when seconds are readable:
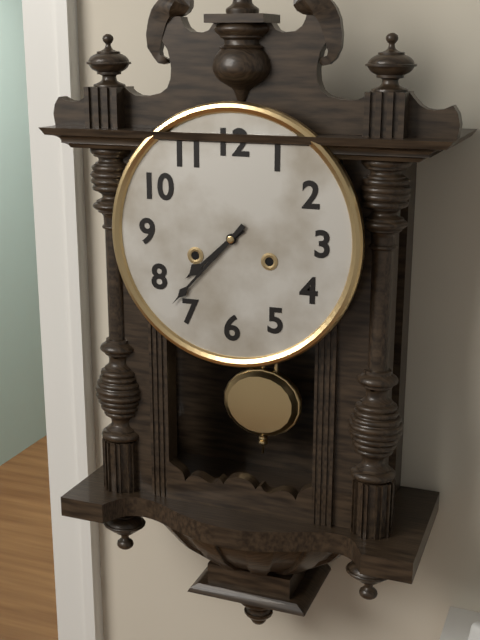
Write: h=7 m=37
